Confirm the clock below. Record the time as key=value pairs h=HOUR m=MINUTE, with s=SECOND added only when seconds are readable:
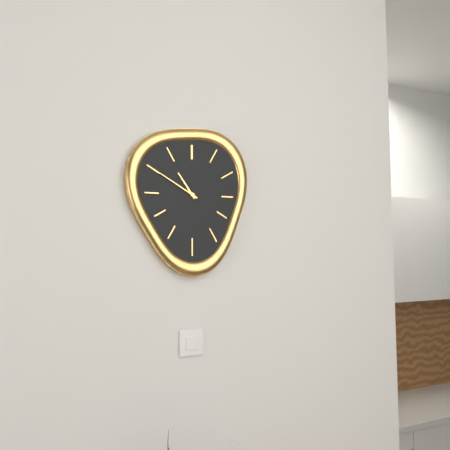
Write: h=10 m=50
